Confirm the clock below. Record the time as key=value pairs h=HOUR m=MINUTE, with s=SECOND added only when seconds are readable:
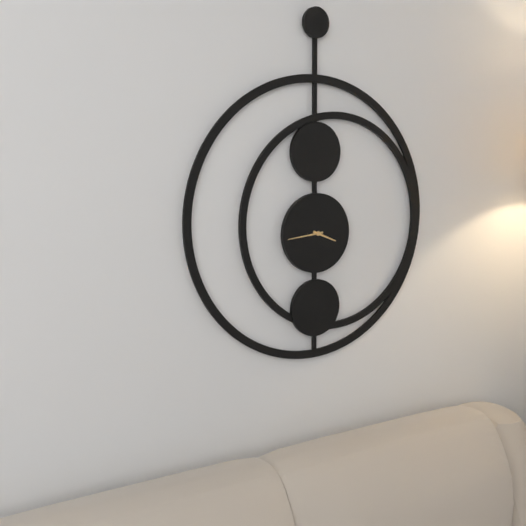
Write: h=3 m=44
